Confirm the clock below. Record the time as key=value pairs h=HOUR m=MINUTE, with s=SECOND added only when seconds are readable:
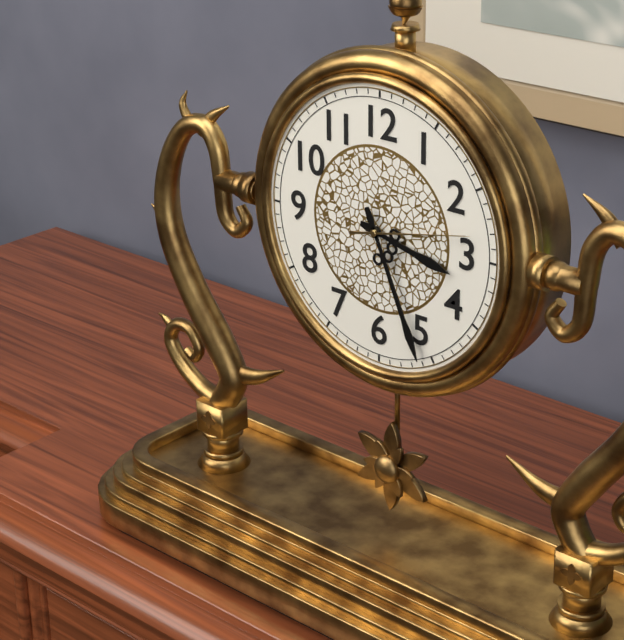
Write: h=3 m=26 s=13
